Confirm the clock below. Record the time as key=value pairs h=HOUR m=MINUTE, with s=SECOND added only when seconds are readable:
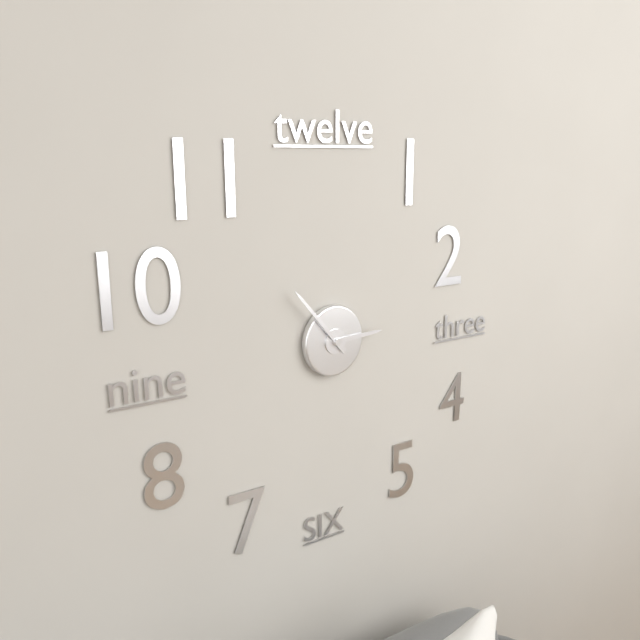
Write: h=2 m=53
